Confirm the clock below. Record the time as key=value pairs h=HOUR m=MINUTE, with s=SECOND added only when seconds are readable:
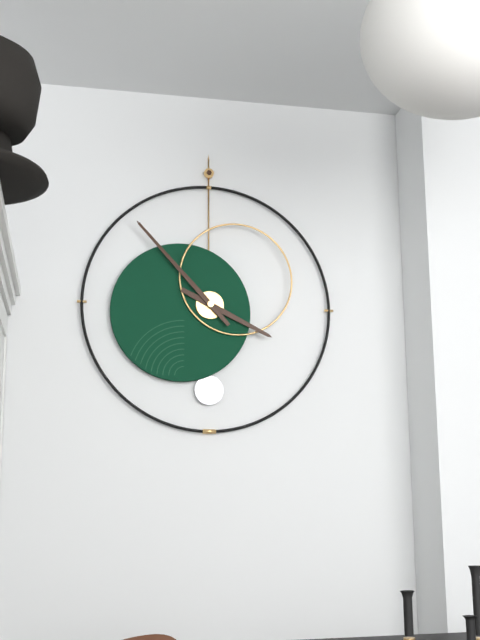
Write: h=3 m=53
